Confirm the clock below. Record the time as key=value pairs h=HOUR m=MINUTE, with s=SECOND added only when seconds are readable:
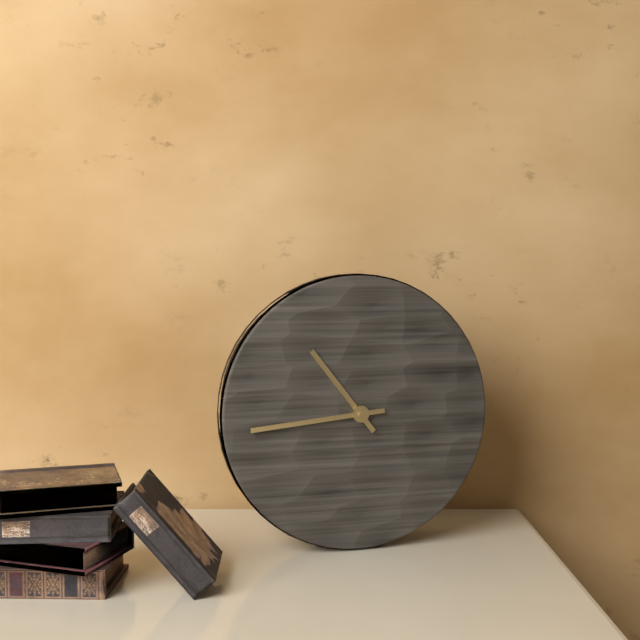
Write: h=10 m=44
